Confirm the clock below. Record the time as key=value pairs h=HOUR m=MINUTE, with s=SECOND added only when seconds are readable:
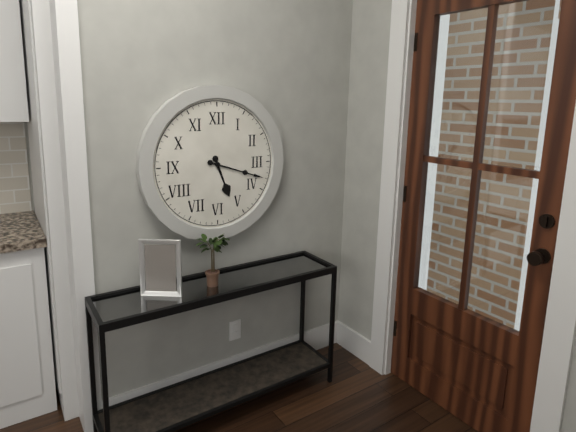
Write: h=5 m=18
